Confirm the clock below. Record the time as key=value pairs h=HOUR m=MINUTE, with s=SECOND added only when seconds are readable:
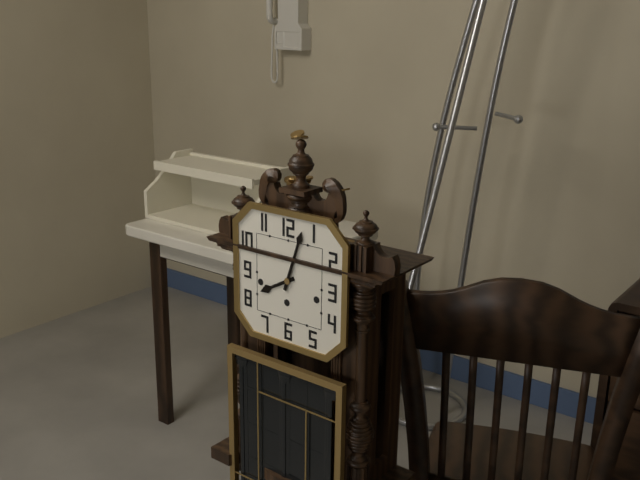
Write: h=8 m=3
